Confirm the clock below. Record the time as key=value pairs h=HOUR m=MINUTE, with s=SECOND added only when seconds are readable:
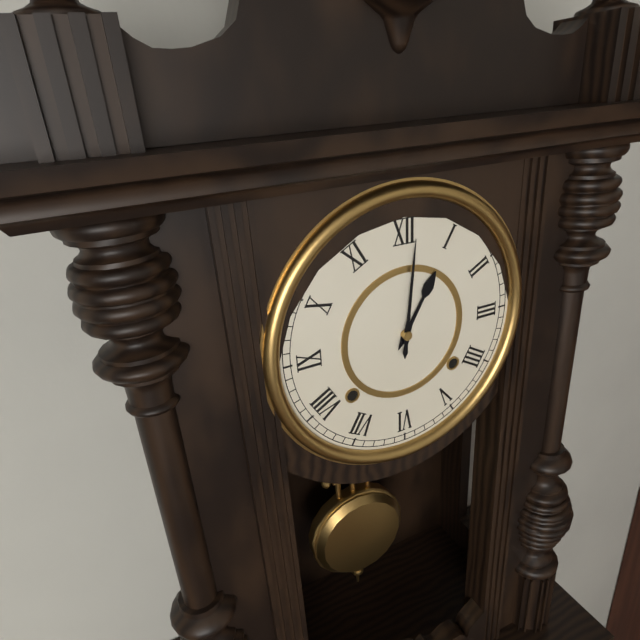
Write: h=1 m=1
